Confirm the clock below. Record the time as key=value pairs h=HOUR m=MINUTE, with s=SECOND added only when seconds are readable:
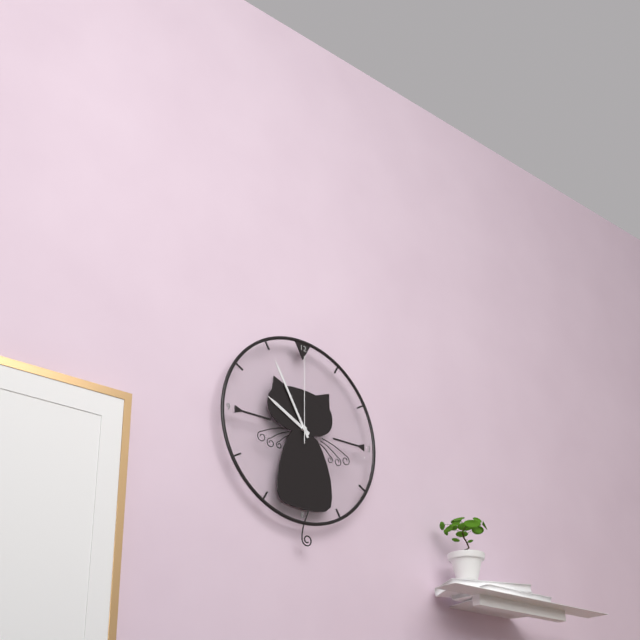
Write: h=9 m=55 s=0
